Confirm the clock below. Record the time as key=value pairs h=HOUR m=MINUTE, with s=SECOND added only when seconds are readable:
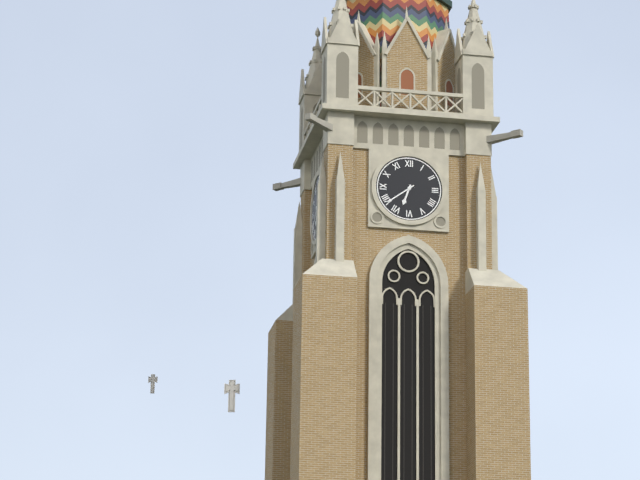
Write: h=6 m=39
